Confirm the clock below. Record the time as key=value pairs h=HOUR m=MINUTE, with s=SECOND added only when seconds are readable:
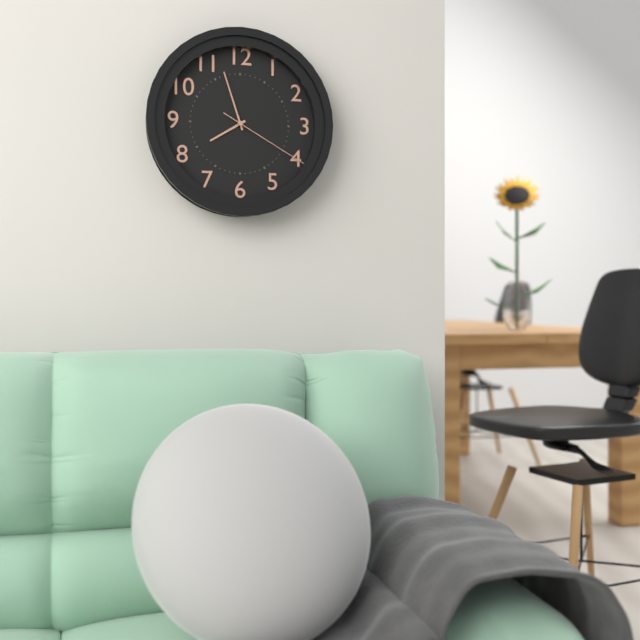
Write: h=7 m=57 s=20
